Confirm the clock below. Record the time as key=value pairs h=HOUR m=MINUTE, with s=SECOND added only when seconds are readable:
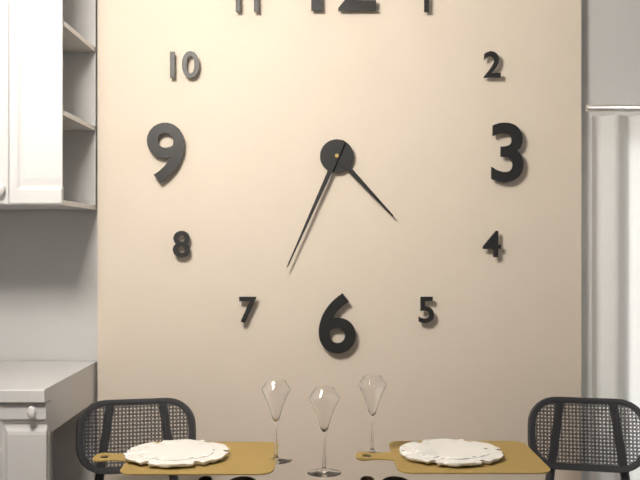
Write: h=4 m=34
